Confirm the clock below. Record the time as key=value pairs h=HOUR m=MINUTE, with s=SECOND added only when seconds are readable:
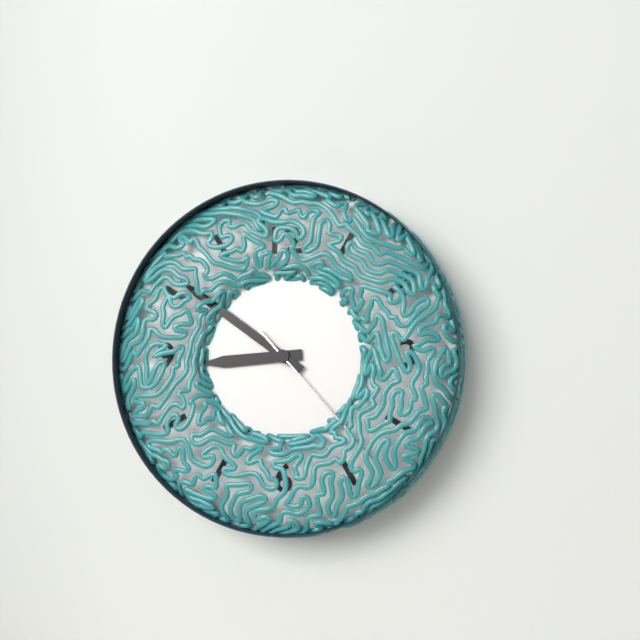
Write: h=8 m=51 s=23
